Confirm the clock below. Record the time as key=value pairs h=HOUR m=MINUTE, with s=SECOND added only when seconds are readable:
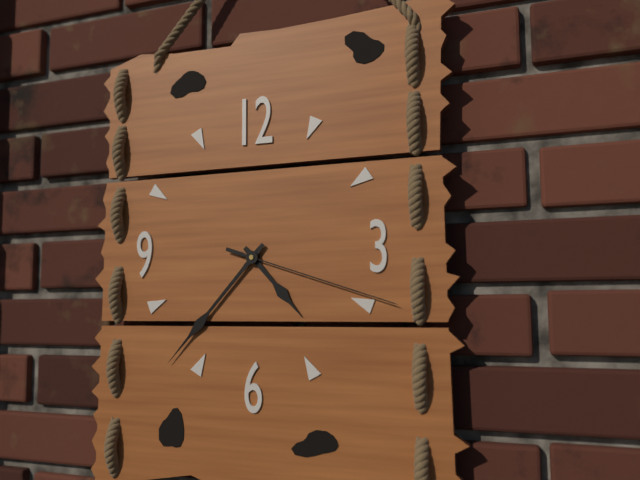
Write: h=4 m=37 s=18
